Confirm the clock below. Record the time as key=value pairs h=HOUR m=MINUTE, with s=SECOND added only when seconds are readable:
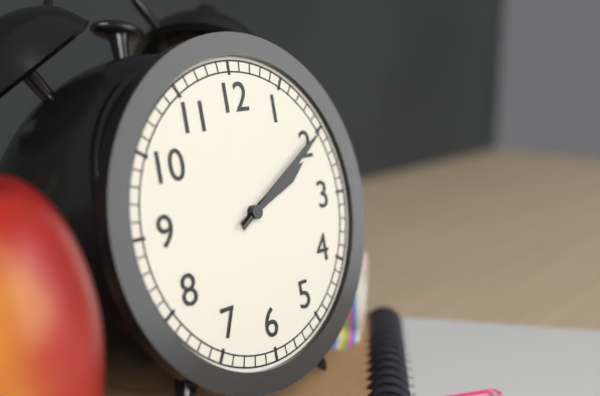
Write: h=2 m=10
